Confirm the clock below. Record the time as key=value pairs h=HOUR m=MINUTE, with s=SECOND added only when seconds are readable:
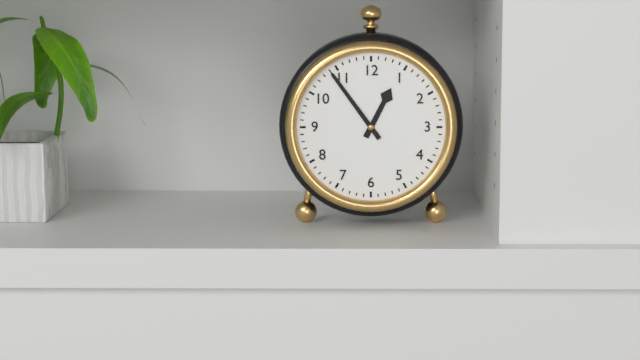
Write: h=12 m=54
